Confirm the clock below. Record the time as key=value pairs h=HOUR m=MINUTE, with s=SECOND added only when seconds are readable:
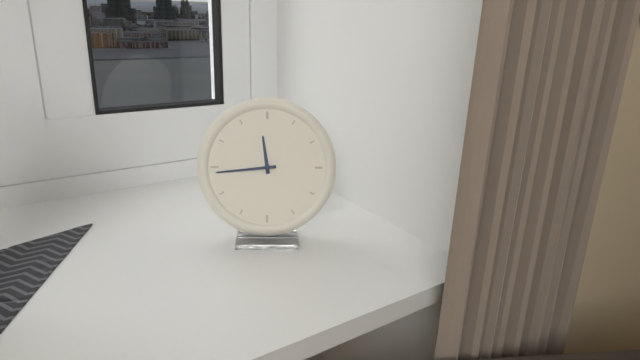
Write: h=11 m=44
